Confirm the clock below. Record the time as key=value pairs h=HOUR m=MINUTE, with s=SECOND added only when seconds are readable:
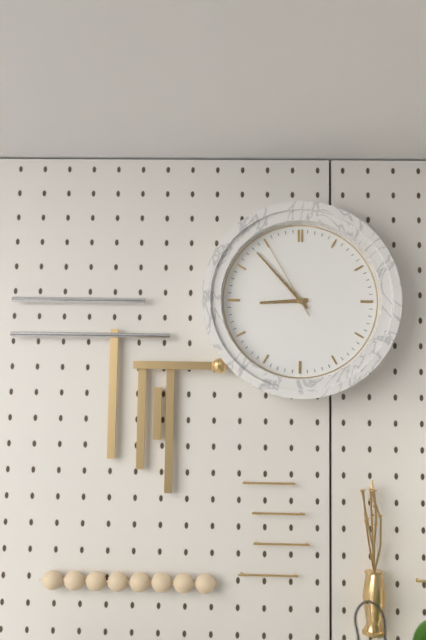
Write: h=8 m=53 s=55
